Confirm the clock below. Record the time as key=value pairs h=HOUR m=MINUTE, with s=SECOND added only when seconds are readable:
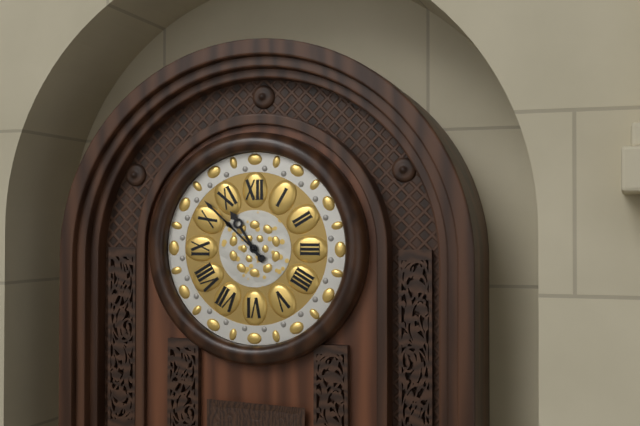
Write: h=10 m=52
